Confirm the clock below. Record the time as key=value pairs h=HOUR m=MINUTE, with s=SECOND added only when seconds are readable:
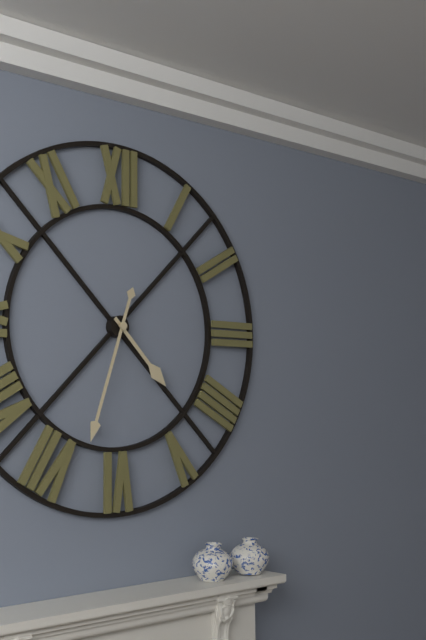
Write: h=4 m=33
